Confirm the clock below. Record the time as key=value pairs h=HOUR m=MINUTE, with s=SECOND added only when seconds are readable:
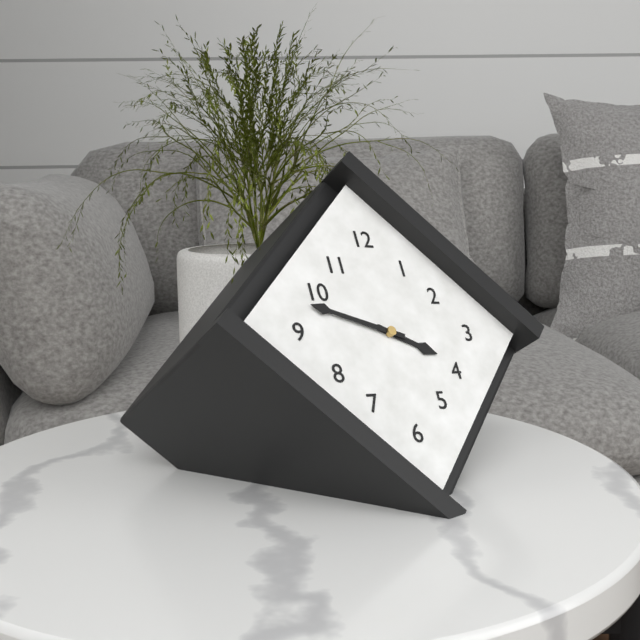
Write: h=3 m=48
